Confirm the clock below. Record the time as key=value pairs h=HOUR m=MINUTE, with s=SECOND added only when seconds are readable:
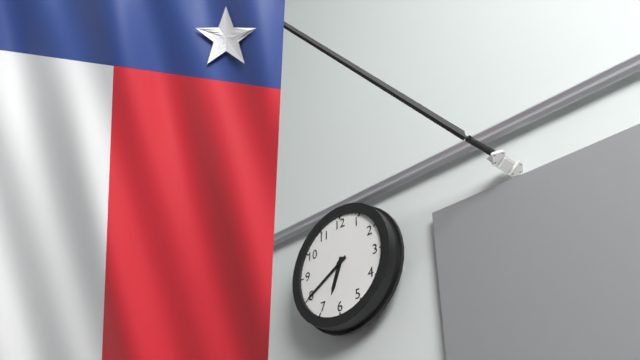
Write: h=6 m=40
